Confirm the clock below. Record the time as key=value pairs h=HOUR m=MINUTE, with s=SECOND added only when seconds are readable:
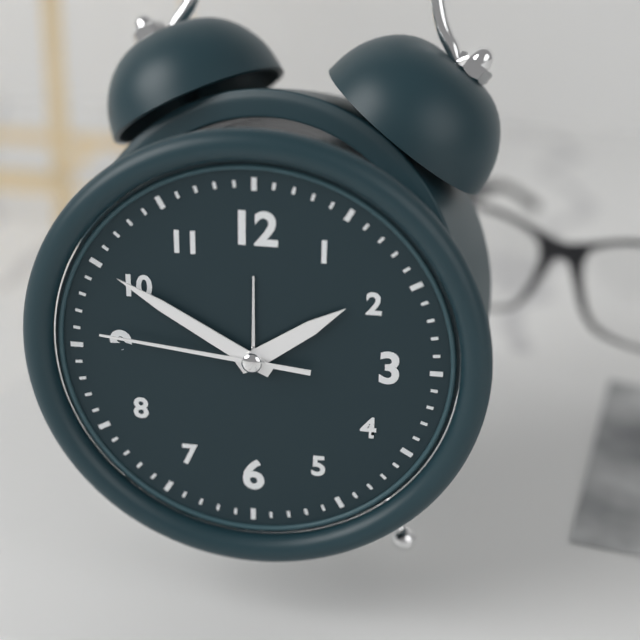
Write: h=1 m=50 s=46
